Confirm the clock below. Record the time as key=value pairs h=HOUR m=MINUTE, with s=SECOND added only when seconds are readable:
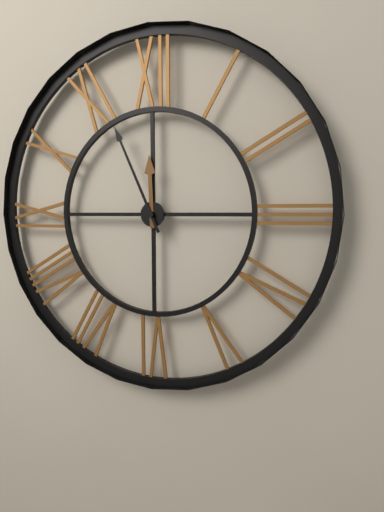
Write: h=11 m=56
